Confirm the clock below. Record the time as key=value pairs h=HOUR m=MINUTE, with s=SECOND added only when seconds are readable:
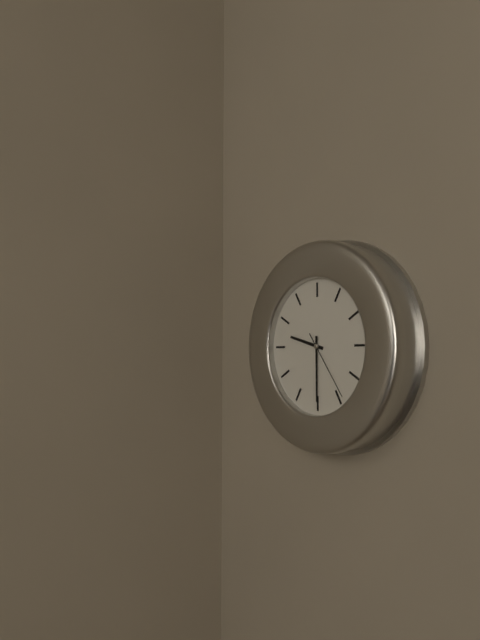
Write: h=9 m=30 s=24
